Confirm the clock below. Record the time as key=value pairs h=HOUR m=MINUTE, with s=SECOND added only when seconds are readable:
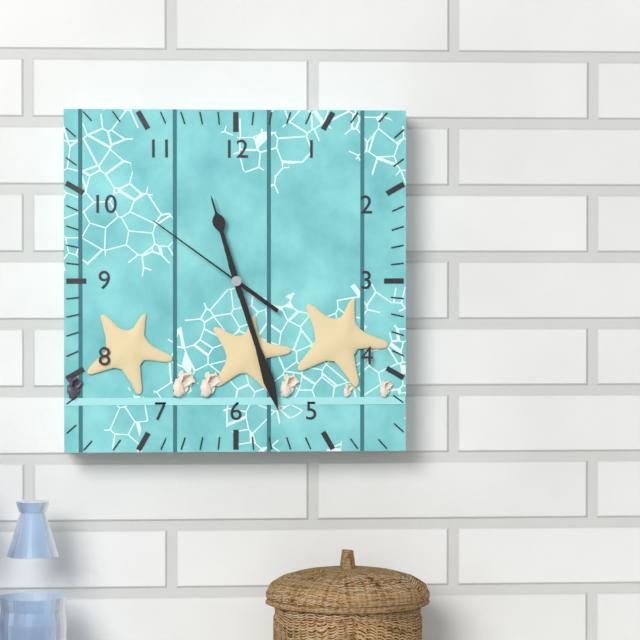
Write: h=11 m=27 s=51
